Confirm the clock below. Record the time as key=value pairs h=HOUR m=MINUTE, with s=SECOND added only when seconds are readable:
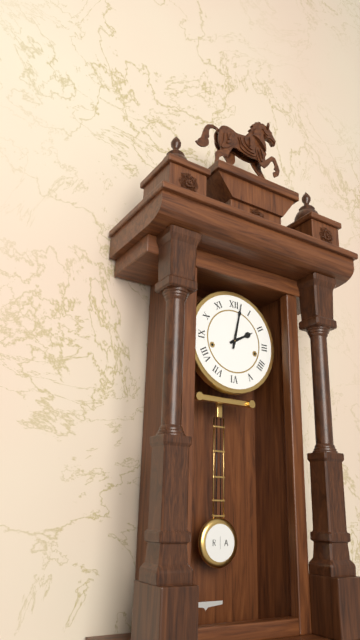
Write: h=2 m=2
